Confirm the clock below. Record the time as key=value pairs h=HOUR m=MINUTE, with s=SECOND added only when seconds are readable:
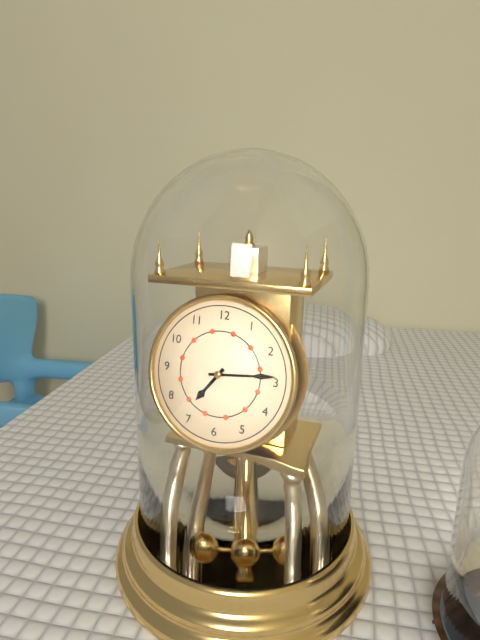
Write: h=7 m=14
